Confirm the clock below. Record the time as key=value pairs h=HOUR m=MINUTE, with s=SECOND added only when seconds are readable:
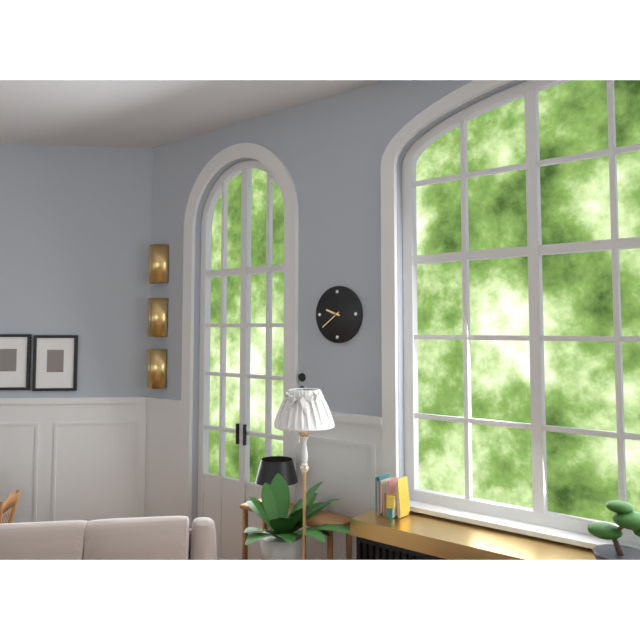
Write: h=9 m=39
